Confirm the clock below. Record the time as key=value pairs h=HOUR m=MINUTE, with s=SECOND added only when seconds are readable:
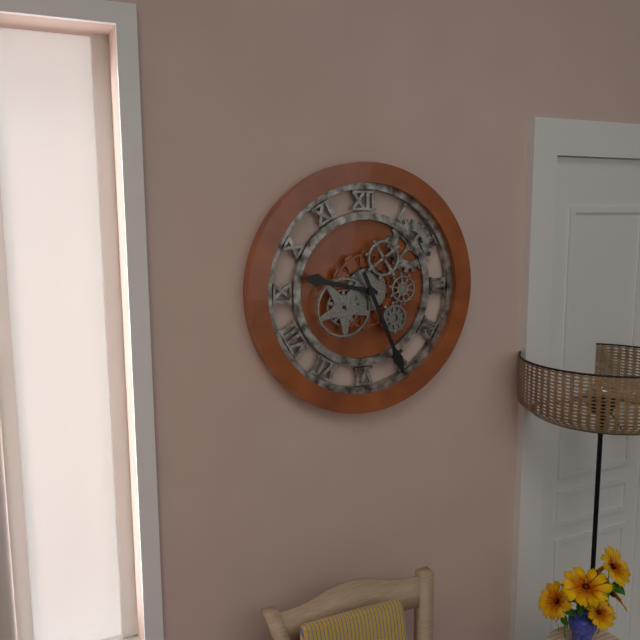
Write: h=9 m=26
